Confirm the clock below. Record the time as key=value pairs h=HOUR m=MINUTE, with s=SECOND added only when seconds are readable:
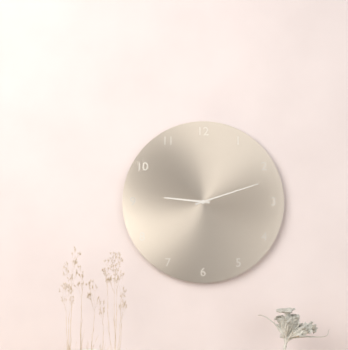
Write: h=9 m=12
